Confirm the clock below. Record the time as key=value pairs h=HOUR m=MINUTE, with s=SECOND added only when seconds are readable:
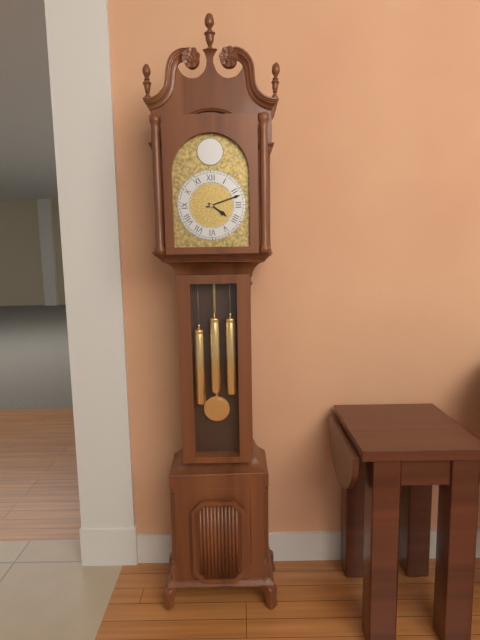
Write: h=4 m=12
